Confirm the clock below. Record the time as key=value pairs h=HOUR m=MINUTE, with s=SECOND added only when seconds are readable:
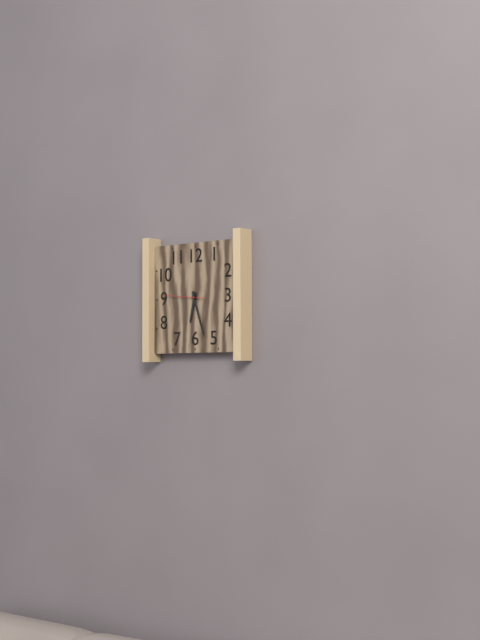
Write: h=6 m=27
